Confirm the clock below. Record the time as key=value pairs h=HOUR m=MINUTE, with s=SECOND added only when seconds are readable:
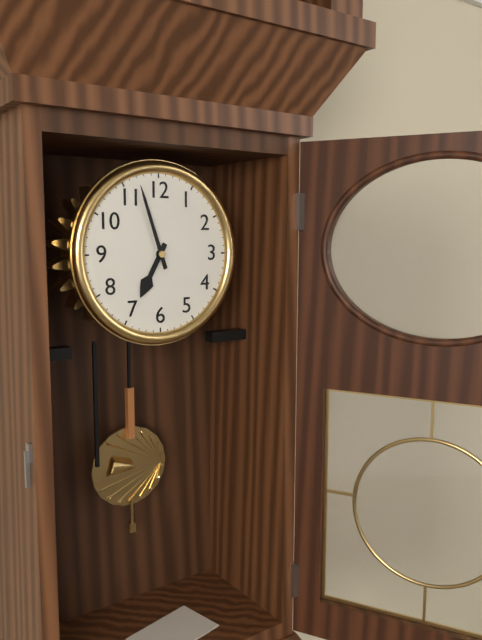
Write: h=6 m=57
